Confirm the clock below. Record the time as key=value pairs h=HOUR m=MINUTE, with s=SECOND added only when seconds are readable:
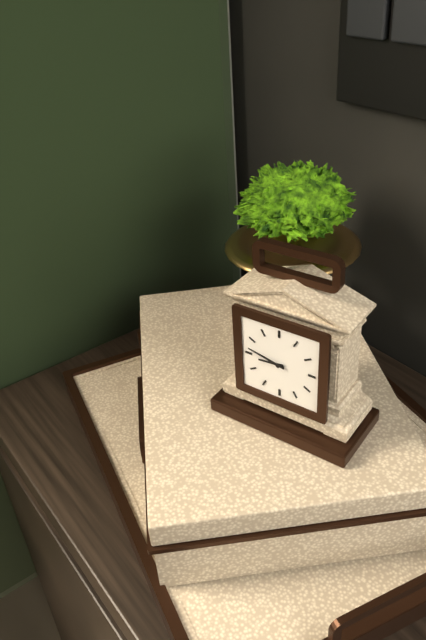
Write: h=8 m=47
